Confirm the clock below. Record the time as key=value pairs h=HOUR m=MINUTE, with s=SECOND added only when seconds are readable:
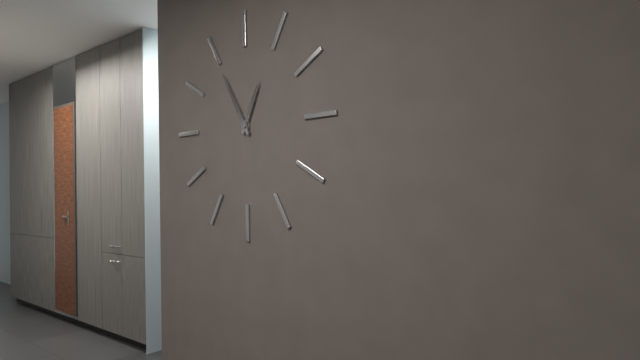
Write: h=12 m=55
